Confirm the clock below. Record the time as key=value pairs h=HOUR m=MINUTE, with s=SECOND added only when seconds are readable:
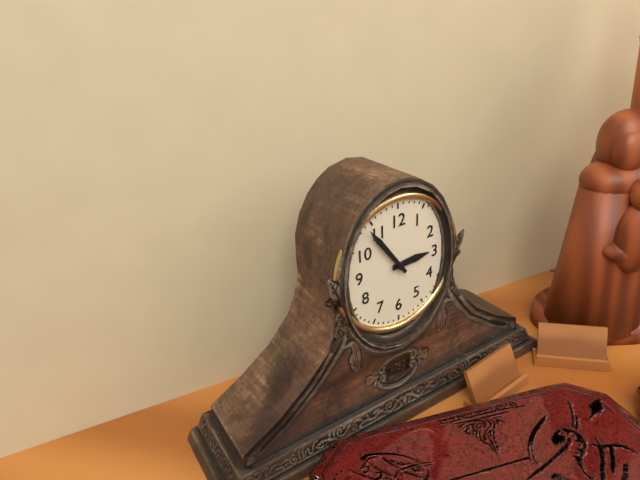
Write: h=2 m=54
